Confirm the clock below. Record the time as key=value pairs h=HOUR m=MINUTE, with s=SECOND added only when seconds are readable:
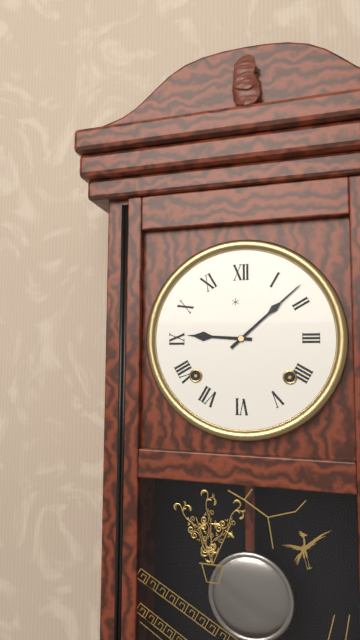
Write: h=9 m=8
